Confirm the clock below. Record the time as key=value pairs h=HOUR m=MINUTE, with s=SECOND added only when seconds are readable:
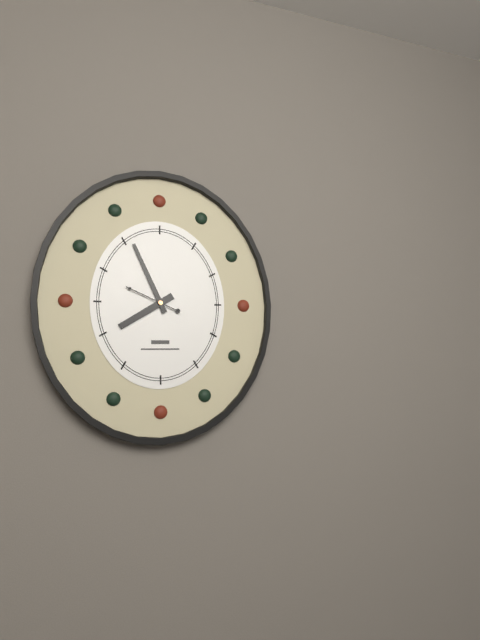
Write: h=7 m=56
